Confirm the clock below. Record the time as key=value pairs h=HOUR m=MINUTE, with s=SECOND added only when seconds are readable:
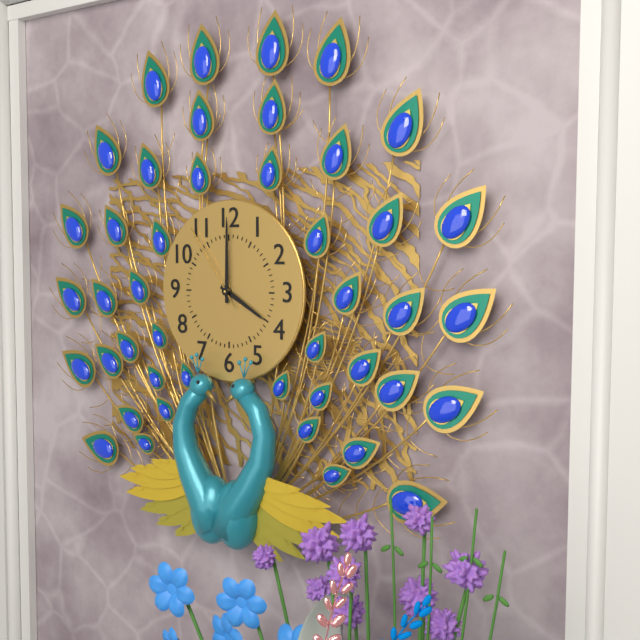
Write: h=4 m=0 s=54
